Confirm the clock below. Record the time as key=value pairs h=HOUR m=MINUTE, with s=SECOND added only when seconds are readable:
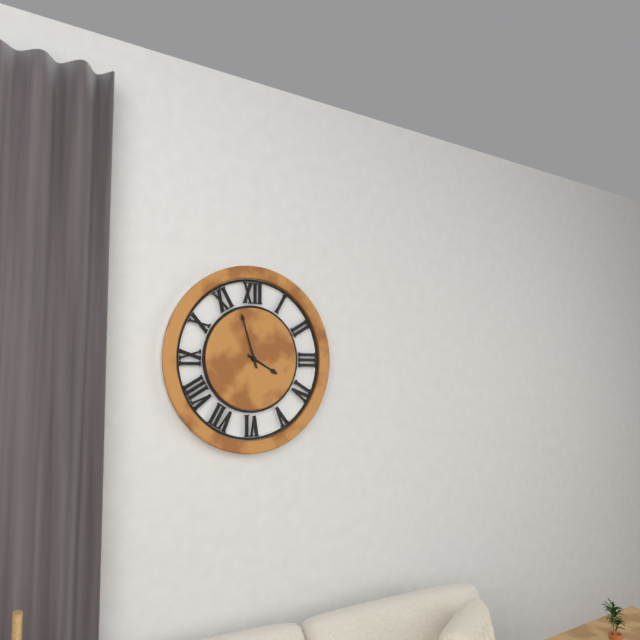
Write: h=3 m=57
